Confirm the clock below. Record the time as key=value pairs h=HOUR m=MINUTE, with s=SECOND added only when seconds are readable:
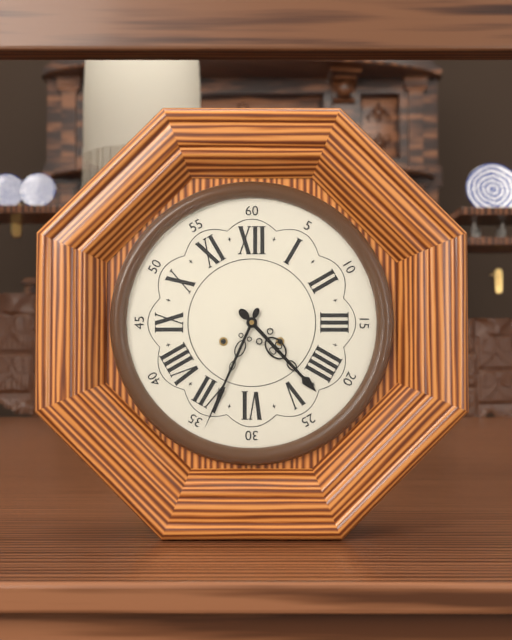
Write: h=4 m=34
